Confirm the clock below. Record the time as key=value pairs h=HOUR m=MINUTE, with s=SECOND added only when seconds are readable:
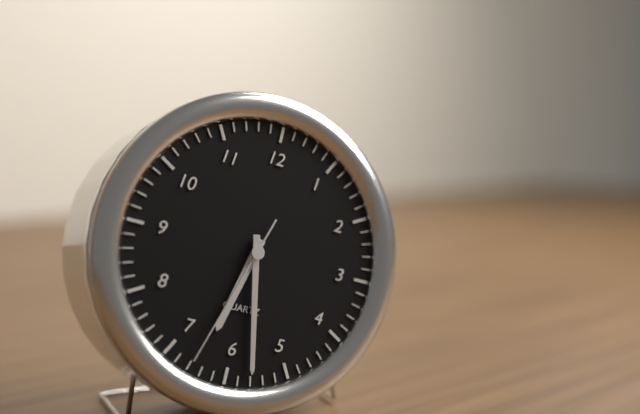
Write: h=6 m=28 s=33
